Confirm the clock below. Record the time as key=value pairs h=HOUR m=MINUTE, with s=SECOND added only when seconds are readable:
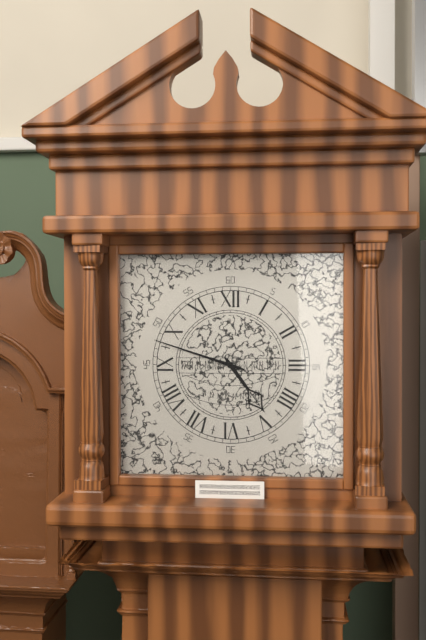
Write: h=4 m=48
